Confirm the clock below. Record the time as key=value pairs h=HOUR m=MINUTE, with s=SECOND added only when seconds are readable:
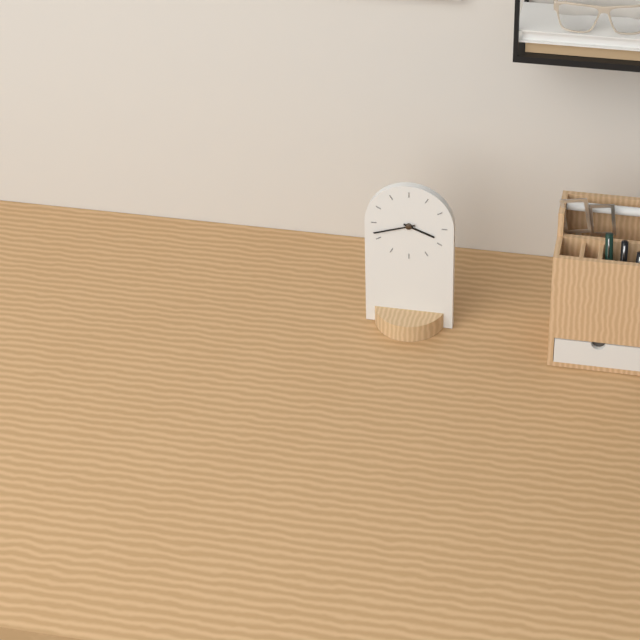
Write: h=3 m=42
